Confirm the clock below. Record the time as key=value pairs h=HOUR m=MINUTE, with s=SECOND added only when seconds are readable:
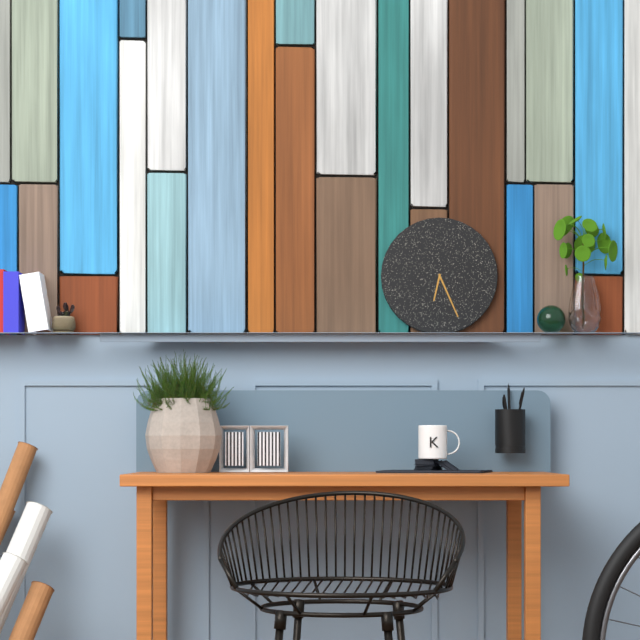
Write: h=6 m=26
